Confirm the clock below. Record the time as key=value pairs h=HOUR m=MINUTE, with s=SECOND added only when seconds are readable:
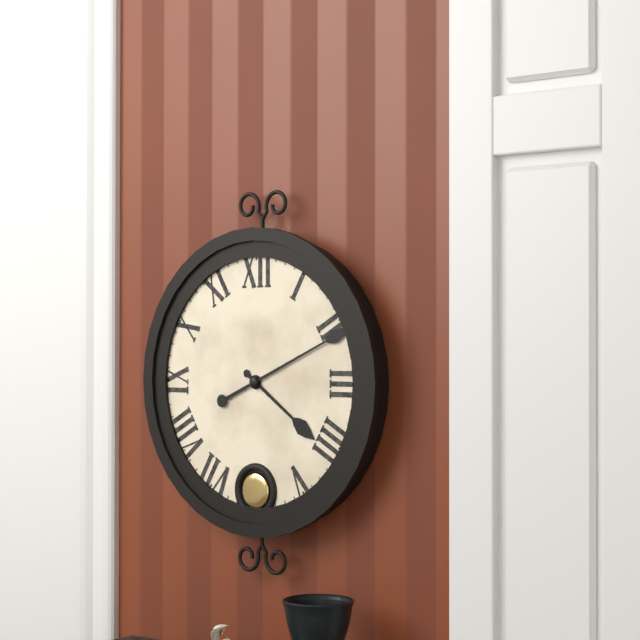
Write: h=4 m=11
